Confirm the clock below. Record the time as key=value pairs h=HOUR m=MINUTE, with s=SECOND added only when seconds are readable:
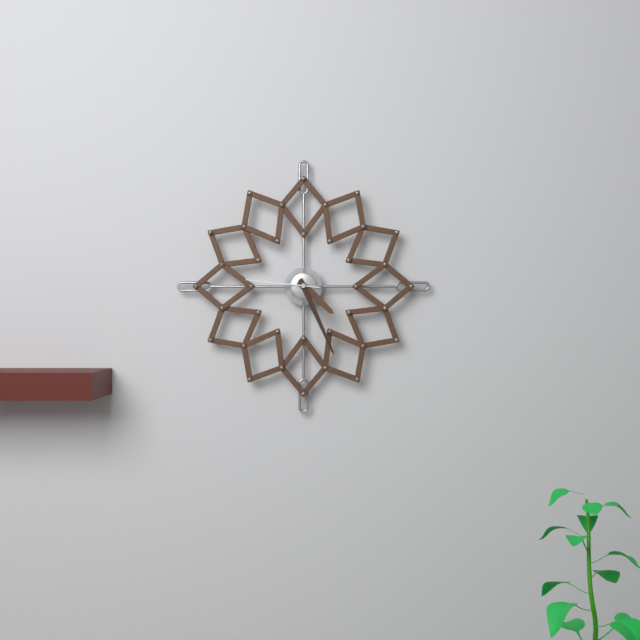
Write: h=4 m=26 s=46
